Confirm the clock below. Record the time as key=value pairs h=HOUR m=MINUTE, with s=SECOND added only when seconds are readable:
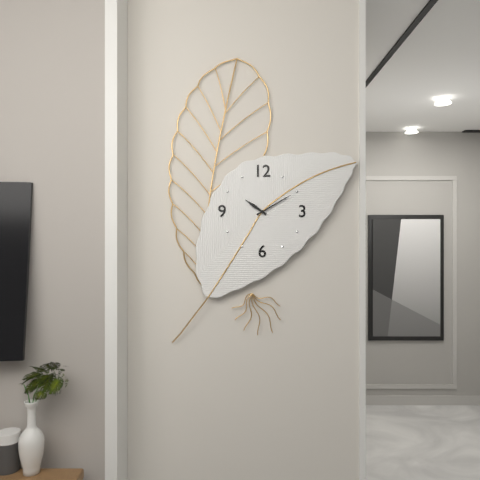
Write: h=10 m=10
